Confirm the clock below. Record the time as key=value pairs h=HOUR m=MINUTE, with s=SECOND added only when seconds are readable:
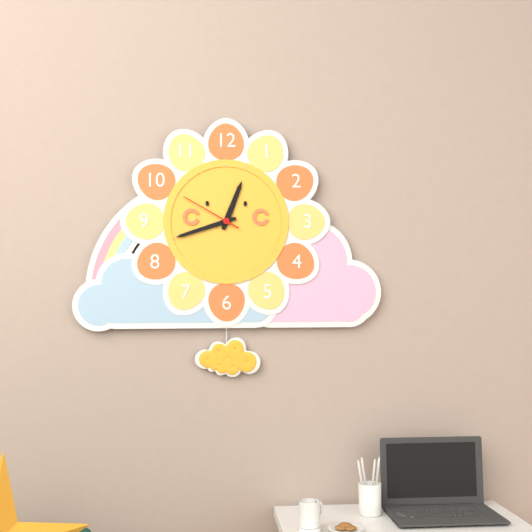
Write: h=12 m=42 s=50
